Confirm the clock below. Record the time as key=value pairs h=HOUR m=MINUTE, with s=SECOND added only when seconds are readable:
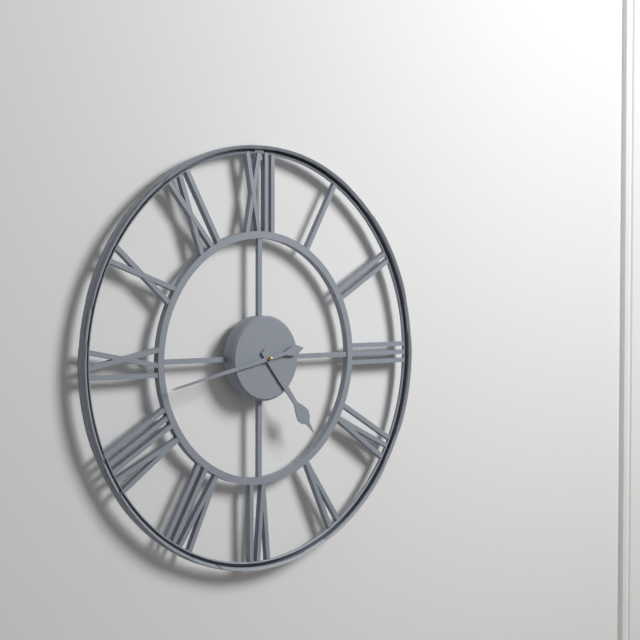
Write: h=4 m=43
